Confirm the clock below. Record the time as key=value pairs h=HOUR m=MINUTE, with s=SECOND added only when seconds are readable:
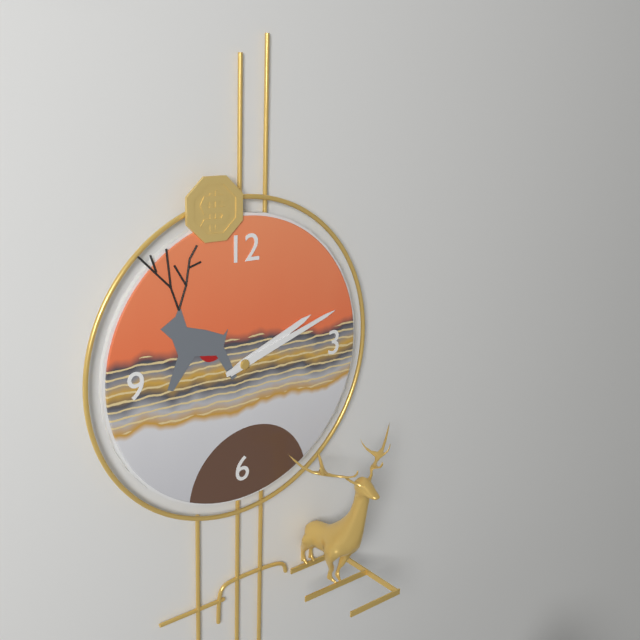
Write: h=2 m=12
